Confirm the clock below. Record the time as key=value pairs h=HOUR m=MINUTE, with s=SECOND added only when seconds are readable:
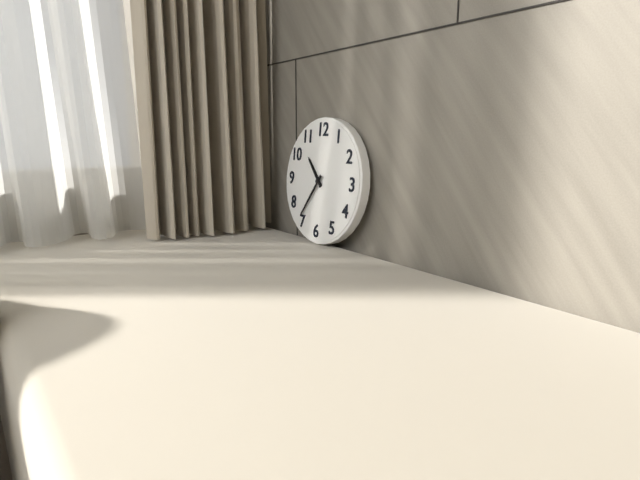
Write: h=10 m=36
